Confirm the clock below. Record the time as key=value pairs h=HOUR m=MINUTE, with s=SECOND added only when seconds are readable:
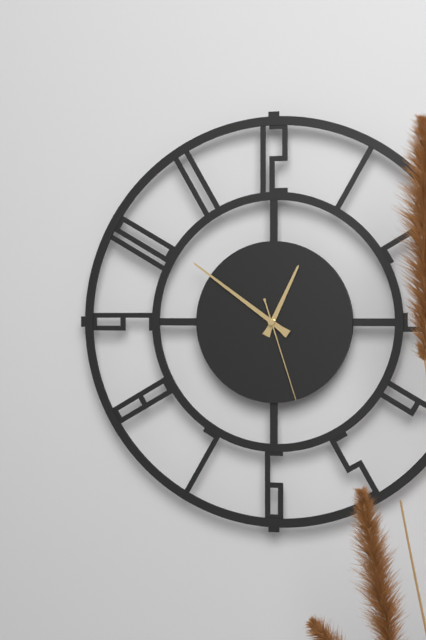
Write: h=12 m=51 s=27
